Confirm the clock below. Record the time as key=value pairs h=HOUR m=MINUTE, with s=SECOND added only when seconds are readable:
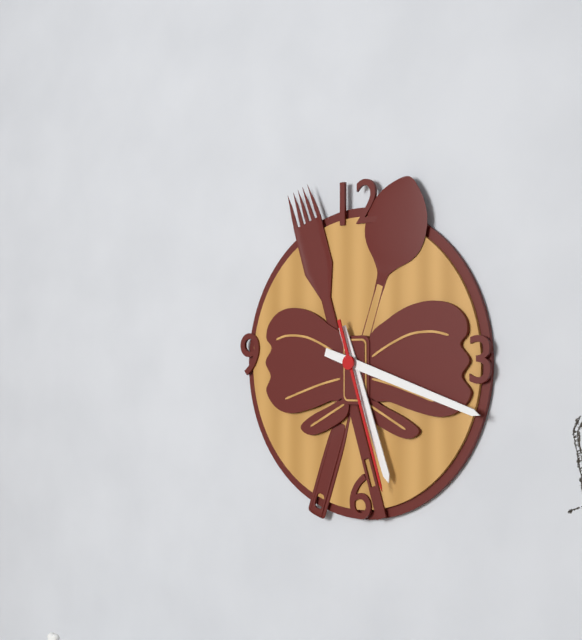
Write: h=5 m=18 s=27
